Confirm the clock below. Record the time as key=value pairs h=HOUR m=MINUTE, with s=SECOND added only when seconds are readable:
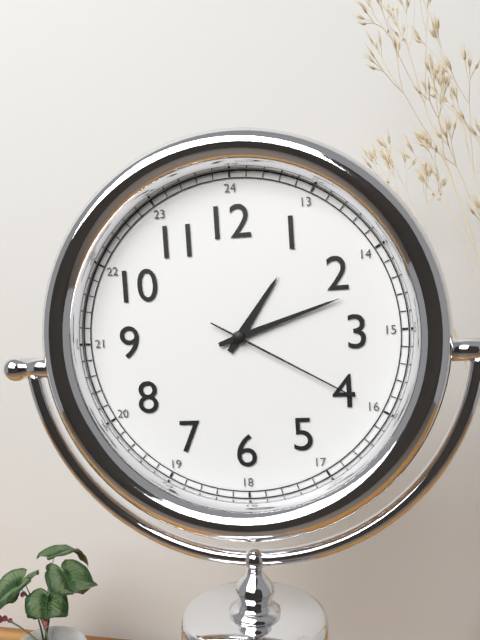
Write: h=1 m=12 s=20
